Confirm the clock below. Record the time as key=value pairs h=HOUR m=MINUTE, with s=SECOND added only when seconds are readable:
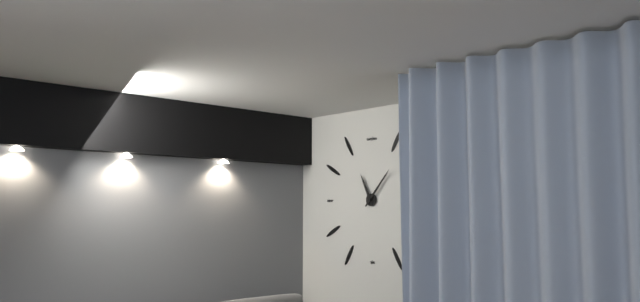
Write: h=11 m=7
